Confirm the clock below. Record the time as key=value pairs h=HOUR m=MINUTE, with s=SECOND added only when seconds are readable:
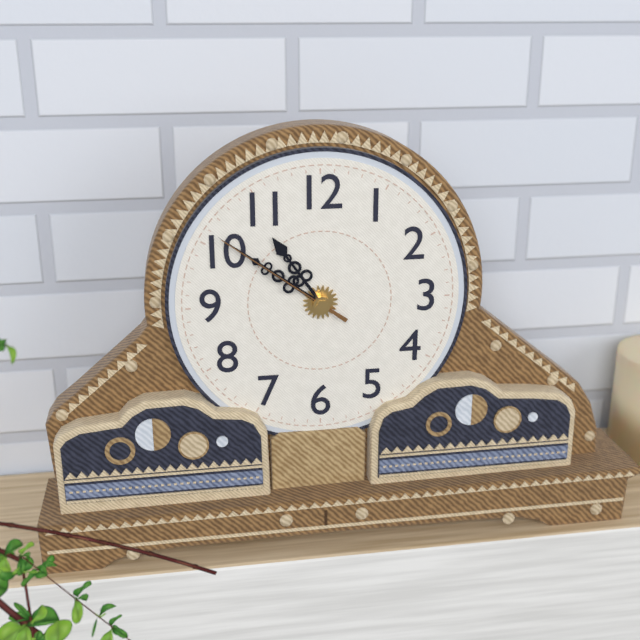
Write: h=10 m=51 s=51
